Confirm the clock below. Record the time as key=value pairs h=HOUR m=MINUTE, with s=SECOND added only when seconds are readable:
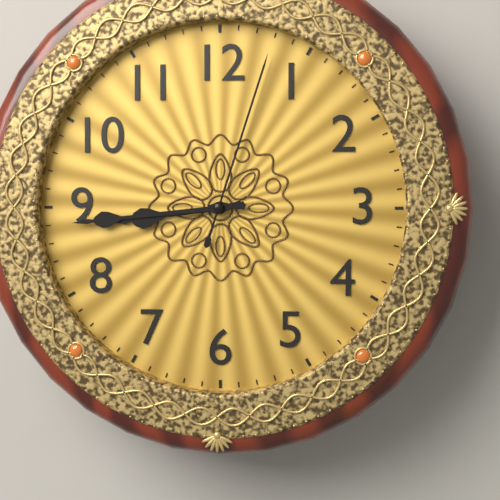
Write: h=8 m=44 s=3
